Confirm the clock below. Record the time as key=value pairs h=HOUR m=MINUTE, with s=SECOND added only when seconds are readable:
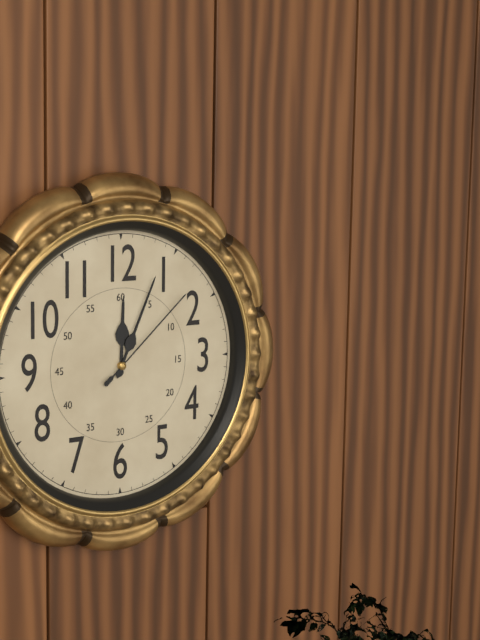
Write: h=12 m=4 s=8
